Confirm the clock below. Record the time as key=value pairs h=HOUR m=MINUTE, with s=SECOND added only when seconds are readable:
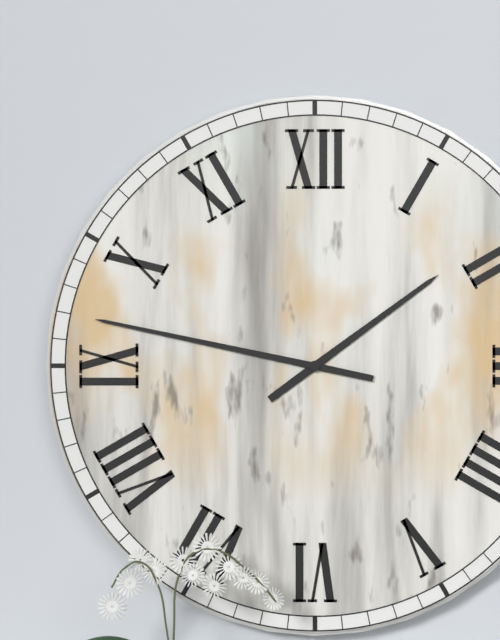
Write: h=1 m=47
